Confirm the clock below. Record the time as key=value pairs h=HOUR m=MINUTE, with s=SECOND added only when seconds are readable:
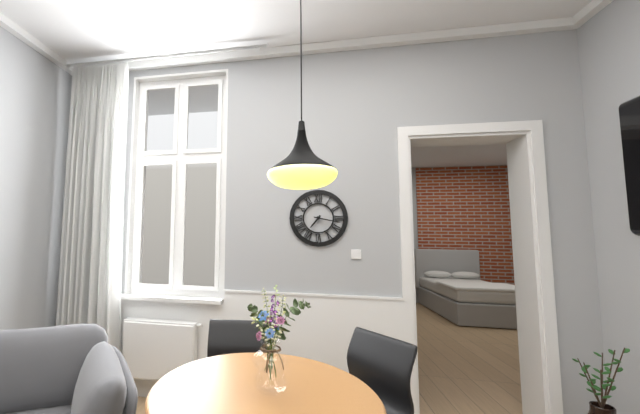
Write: h=7 m=17
